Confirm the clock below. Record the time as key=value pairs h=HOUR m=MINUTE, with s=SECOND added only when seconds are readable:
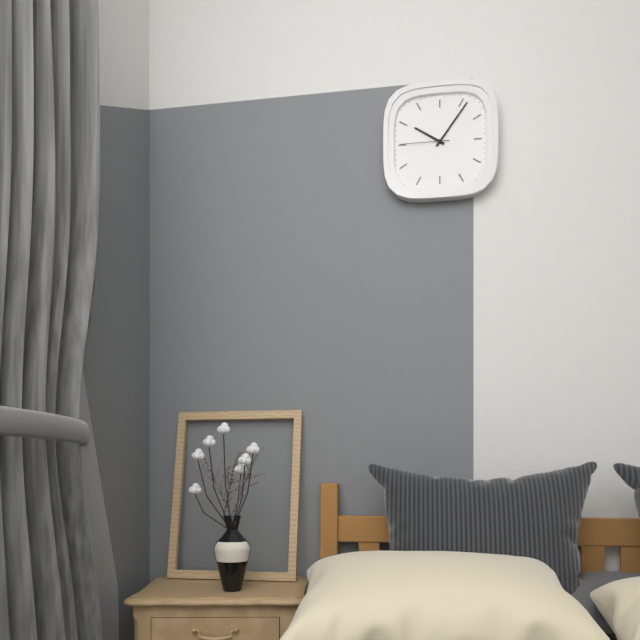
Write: h=10 m=6 s=45
